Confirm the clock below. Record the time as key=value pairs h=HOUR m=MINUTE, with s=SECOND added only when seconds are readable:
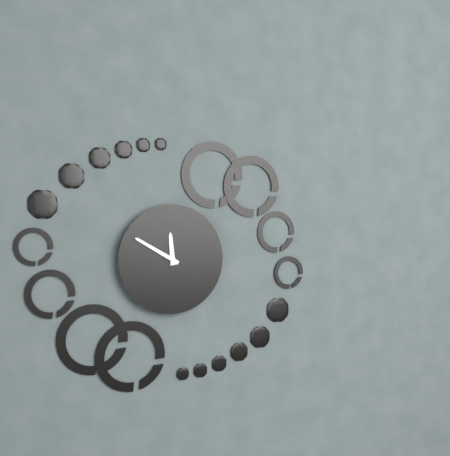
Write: h=11 m=50
